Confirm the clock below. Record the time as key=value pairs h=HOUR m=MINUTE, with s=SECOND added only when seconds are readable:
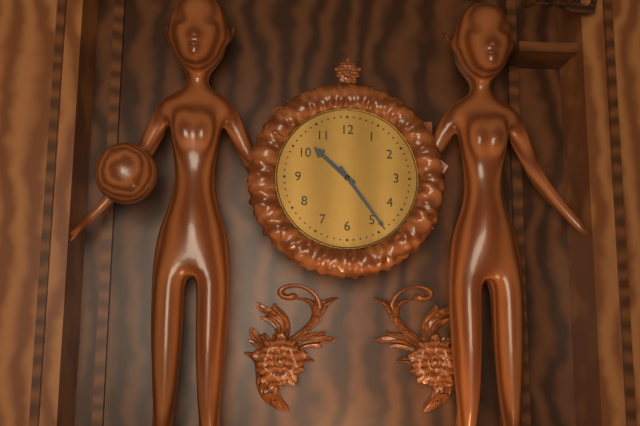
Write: h=10 m=24
